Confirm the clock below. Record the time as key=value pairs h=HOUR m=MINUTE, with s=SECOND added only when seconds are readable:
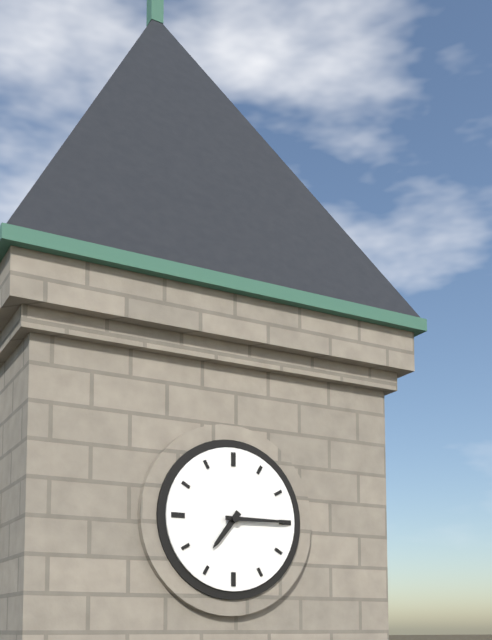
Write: h=7 m=15
